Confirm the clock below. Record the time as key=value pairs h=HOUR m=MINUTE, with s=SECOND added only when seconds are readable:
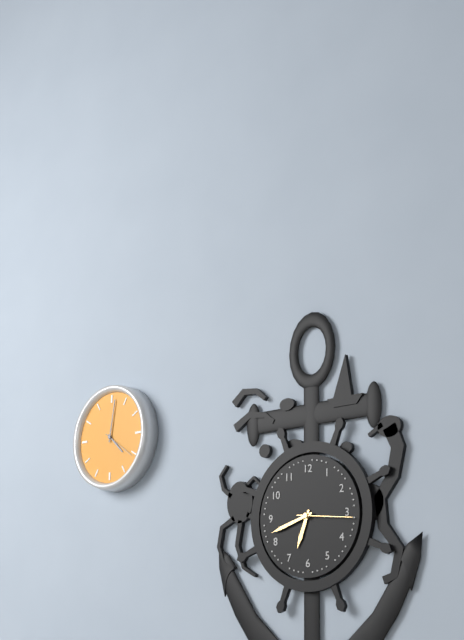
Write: h=6 m=42
